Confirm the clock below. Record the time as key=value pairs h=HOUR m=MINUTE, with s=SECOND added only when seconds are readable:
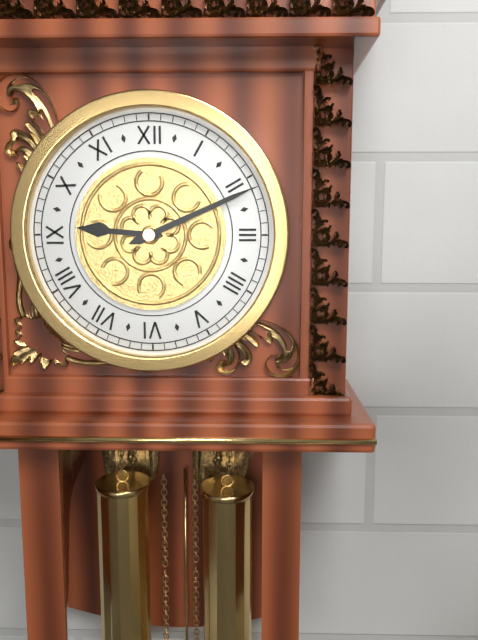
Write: h=9 m=11
